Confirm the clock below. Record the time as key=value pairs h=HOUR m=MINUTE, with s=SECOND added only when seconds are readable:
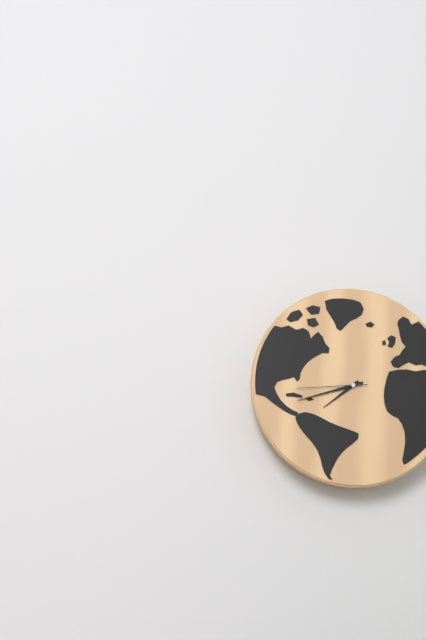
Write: h=7 m=42 s=44
